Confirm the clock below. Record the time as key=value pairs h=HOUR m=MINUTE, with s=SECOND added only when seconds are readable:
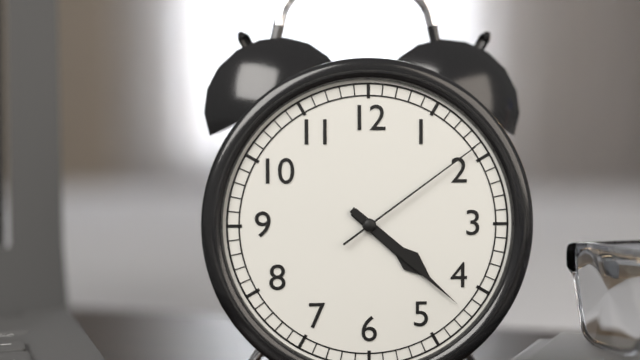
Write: h=4 m=22 s=9
